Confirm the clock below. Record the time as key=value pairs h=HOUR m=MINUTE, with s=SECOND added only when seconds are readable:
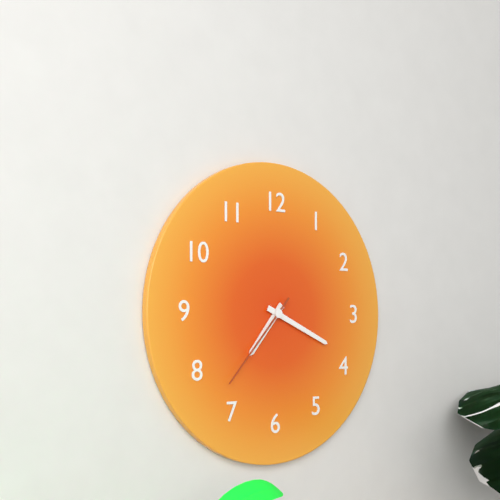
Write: h=7 m=19 s=37
